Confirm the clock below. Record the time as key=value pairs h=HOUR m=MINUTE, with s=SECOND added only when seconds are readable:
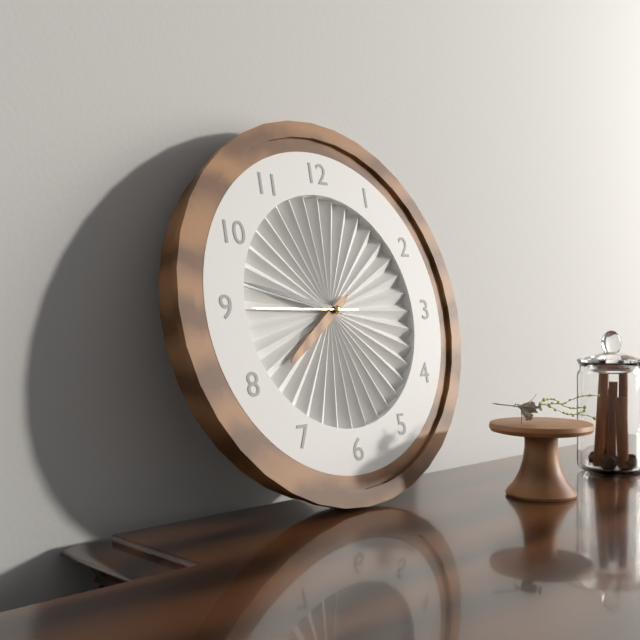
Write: h=7 m=47 s=45
